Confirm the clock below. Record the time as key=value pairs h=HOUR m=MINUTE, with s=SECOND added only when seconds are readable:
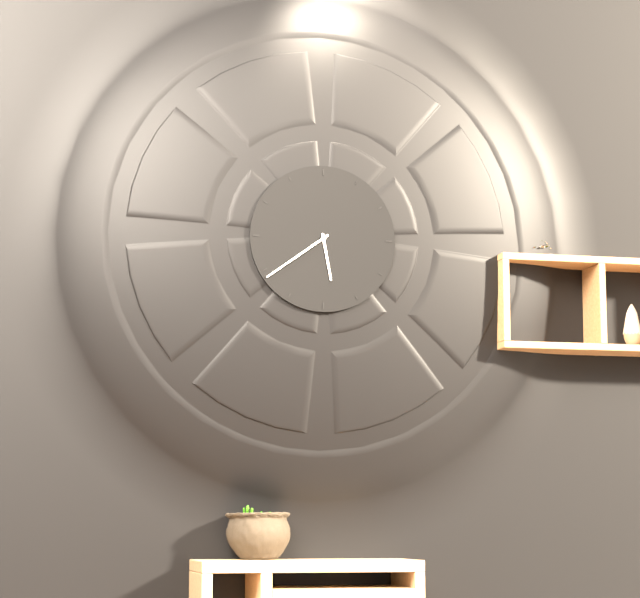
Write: h=5 m=39
